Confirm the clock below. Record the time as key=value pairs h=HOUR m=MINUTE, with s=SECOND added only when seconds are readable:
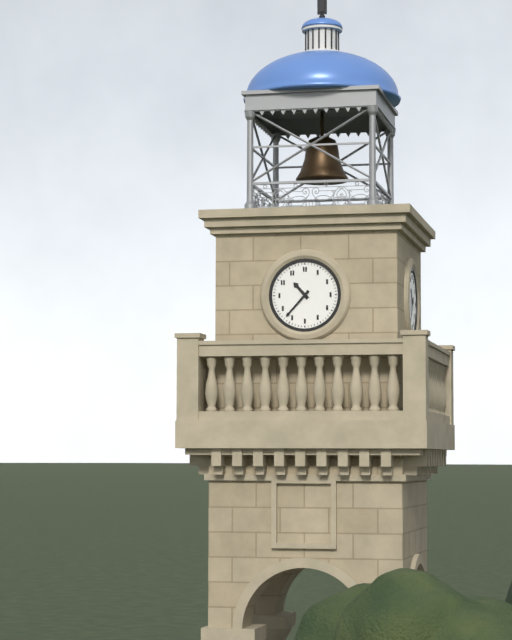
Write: h=10 m=37
